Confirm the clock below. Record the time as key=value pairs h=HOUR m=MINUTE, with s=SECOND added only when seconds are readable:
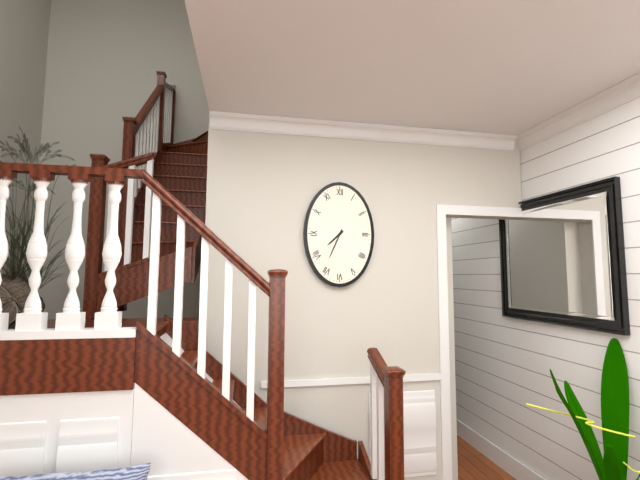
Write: h=7 m=34
